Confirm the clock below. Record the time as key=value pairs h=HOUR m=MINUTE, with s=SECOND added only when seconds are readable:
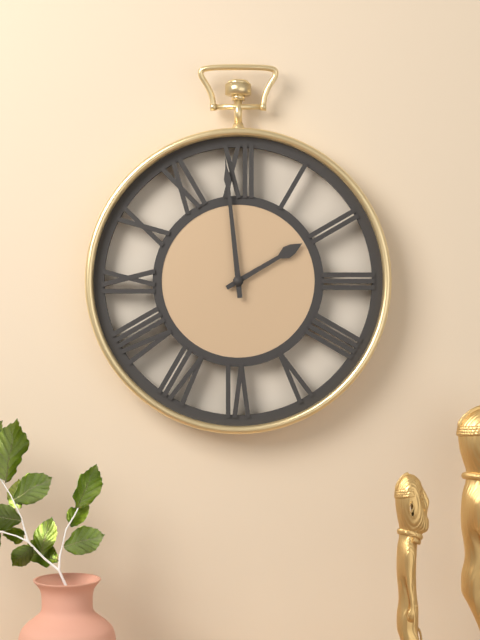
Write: h=1 m=59
